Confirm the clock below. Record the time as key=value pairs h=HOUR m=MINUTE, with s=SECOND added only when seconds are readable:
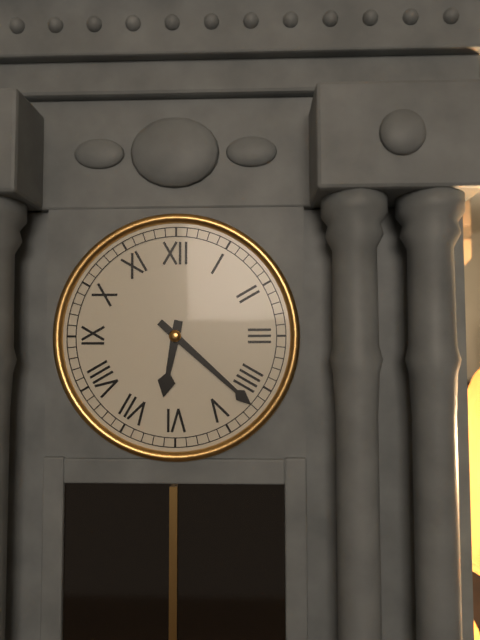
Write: h=6 m=22
